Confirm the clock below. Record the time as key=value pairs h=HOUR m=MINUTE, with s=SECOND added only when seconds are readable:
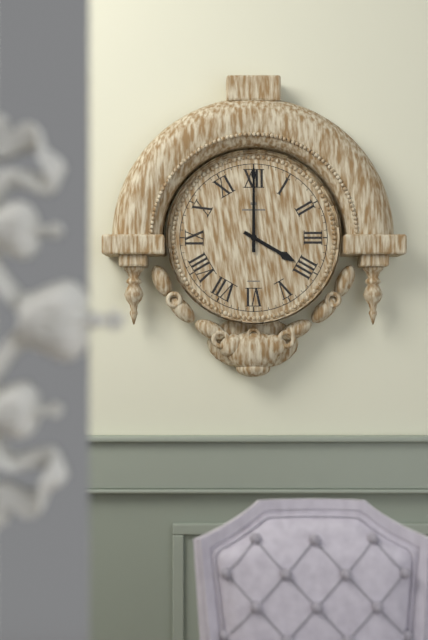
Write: h=4 m=0
